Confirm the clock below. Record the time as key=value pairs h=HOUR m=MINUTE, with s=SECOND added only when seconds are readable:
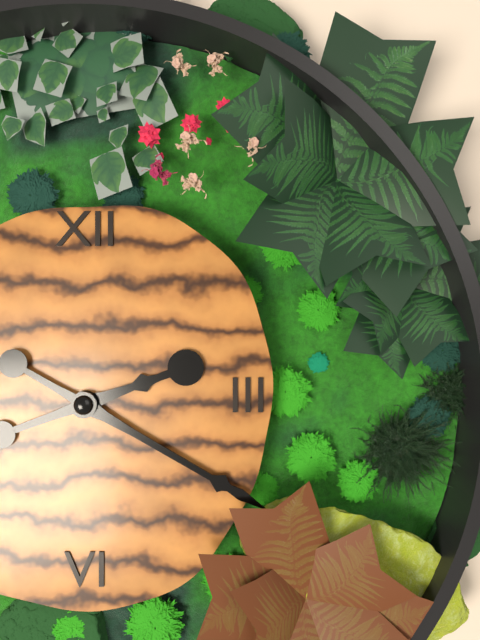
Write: h=2 m=20
